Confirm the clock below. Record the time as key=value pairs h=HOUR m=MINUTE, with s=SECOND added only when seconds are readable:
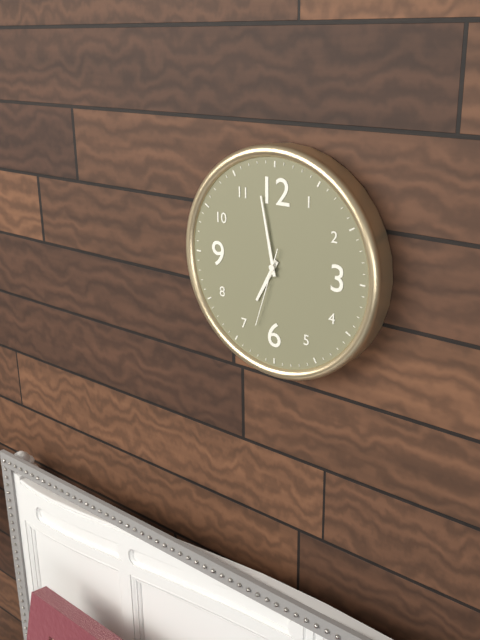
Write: h=6 m=58 s=33
